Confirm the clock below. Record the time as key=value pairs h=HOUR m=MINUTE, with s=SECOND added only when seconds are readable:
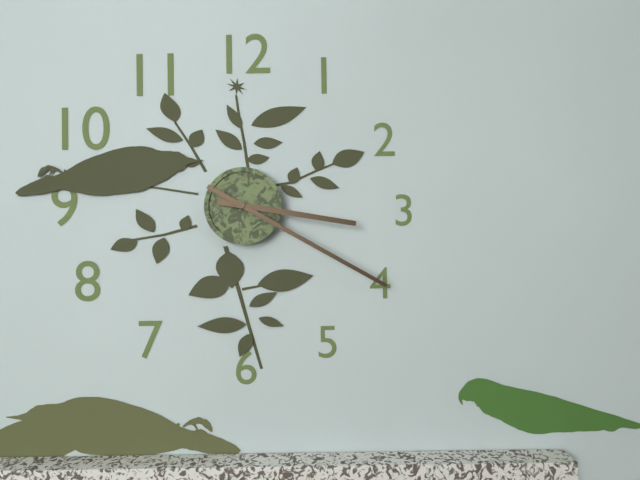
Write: h=3 m=20
